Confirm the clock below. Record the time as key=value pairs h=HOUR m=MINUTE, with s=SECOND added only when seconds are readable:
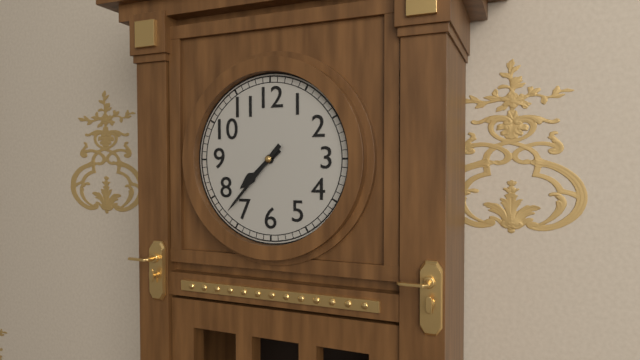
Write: h=7 m=37
